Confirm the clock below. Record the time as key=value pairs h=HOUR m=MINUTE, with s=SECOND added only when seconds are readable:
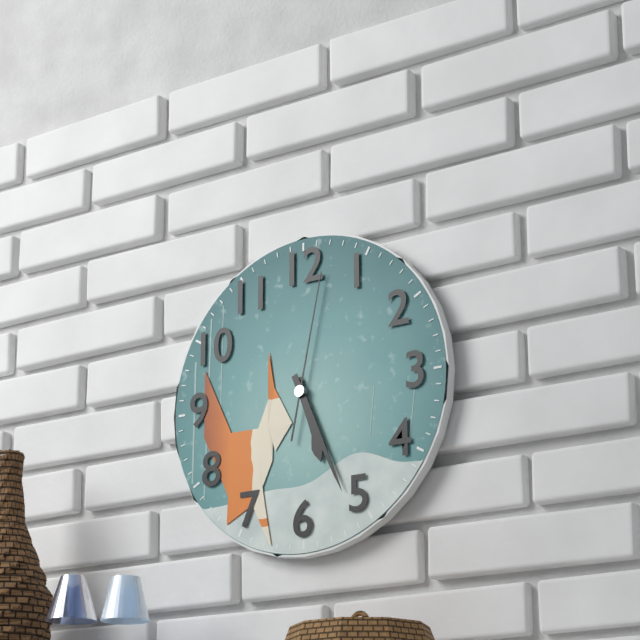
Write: h=5 m=26 s=2
